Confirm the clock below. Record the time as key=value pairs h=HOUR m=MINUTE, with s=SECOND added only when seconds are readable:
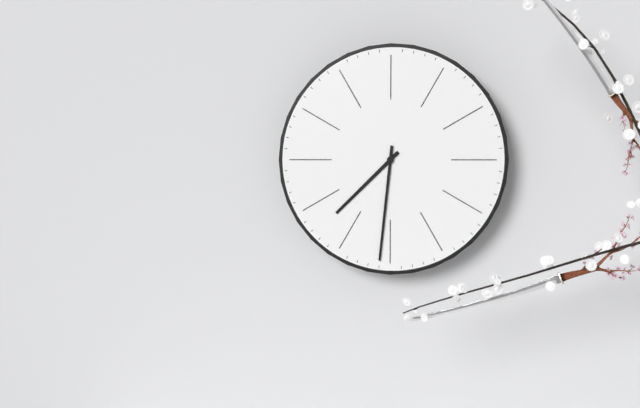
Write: h=7 m=31
